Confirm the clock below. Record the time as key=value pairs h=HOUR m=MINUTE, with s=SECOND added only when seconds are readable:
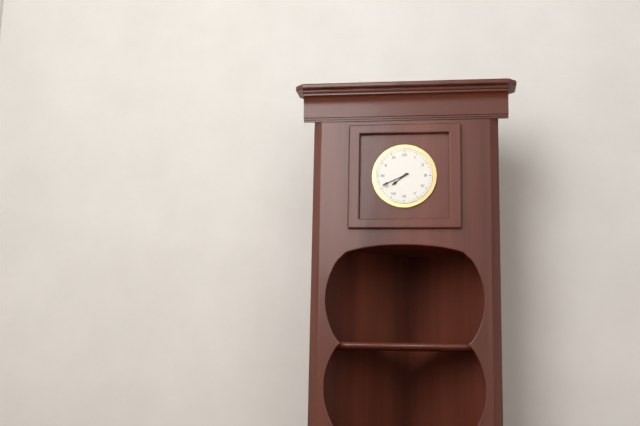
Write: h=7 m=41
